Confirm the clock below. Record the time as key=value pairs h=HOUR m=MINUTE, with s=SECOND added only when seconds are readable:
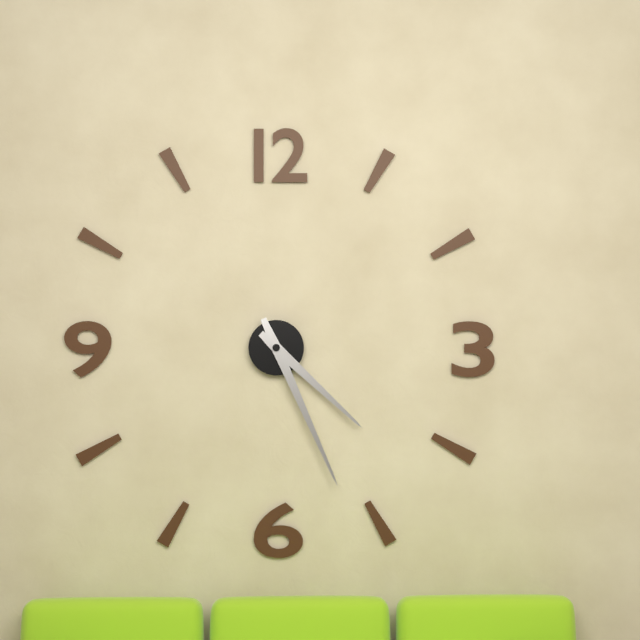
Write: h=4 m=26
